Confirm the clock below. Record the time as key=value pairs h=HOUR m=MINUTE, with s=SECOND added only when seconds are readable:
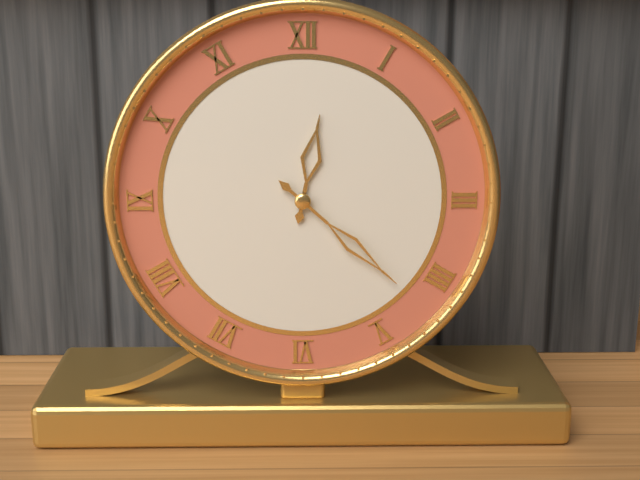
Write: h=12 m=22
